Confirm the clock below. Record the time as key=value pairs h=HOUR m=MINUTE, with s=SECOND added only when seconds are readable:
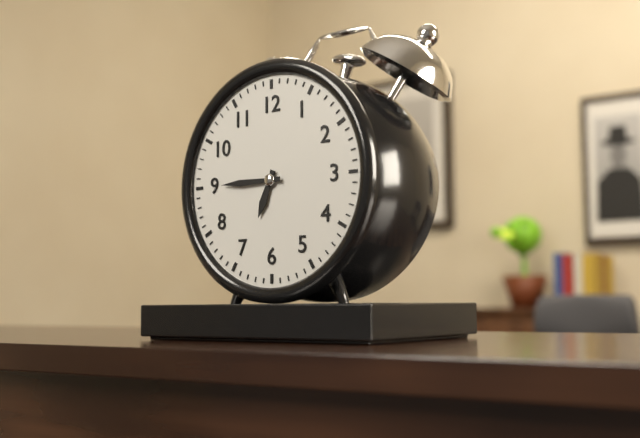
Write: h=6 m=45
